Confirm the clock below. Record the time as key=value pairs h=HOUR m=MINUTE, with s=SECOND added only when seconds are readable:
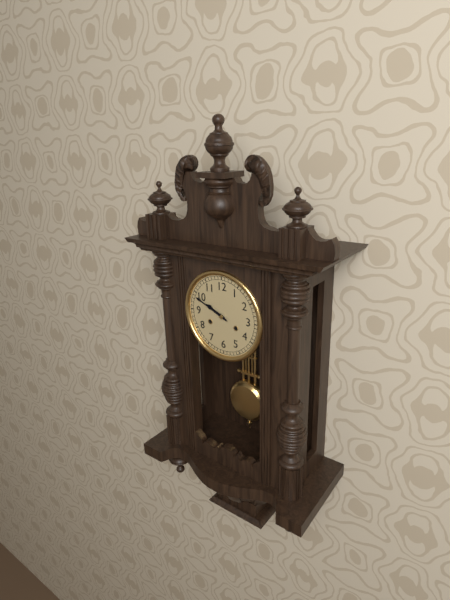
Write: h=9 m=49
